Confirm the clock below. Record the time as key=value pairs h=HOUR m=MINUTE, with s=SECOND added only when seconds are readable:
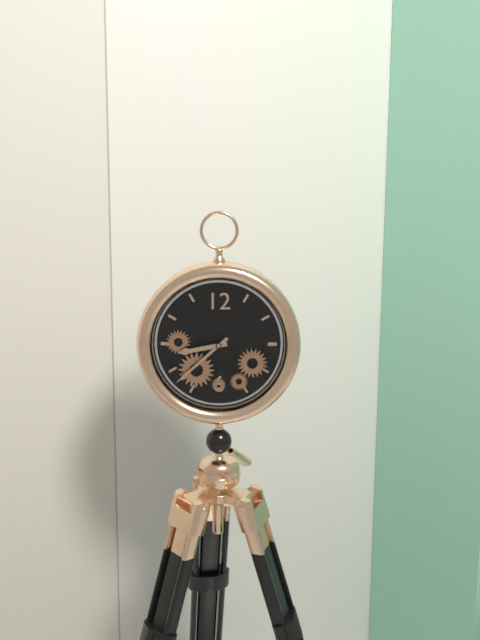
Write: h=8 m=38
